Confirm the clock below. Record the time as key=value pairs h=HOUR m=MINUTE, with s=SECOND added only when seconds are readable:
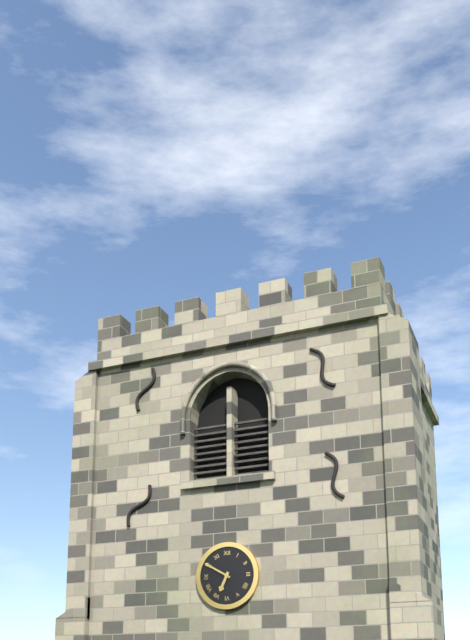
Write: h=6 m=50
